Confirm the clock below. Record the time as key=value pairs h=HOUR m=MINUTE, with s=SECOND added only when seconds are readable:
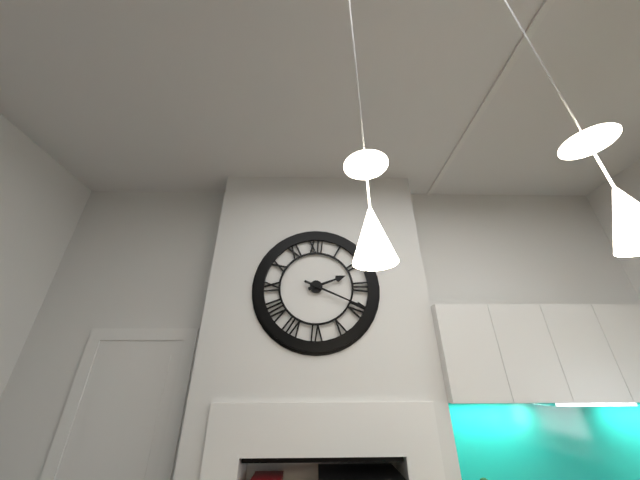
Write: h=2 m=19
